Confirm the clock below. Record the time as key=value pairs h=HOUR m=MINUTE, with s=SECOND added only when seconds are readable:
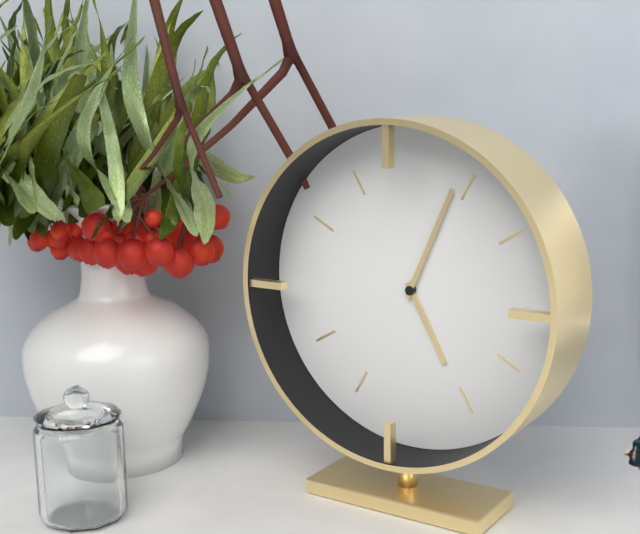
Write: h=5 m=4
